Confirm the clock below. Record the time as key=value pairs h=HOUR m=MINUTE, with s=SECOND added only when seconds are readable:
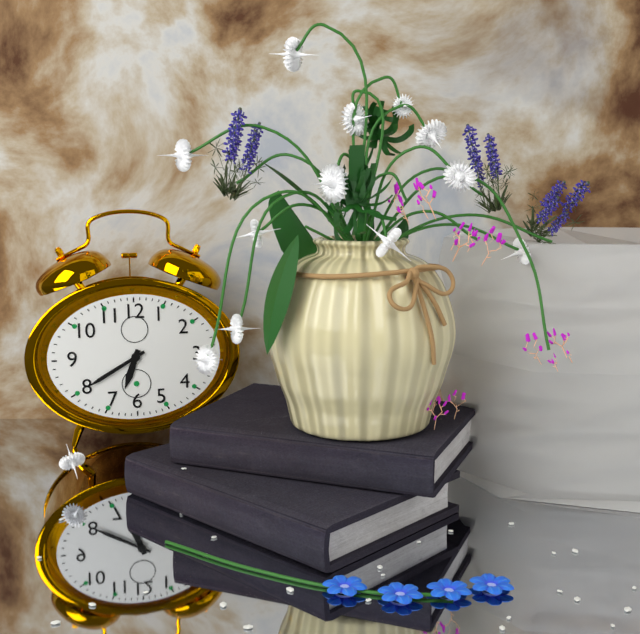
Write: h=6 m=40
